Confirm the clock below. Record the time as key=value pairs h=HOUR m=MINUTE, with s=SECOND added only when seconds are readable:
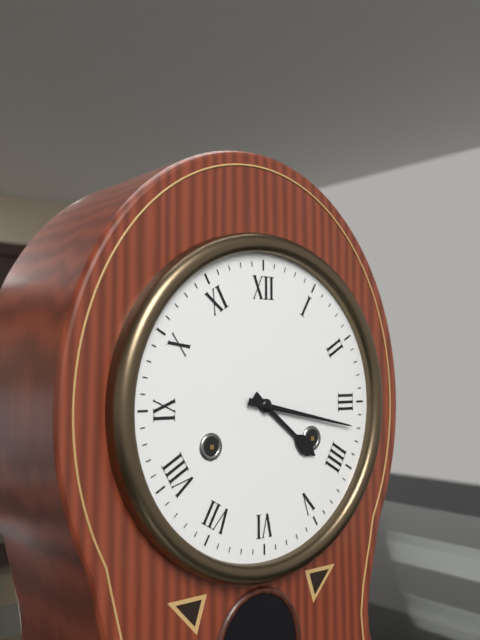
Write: h=4 m=17
